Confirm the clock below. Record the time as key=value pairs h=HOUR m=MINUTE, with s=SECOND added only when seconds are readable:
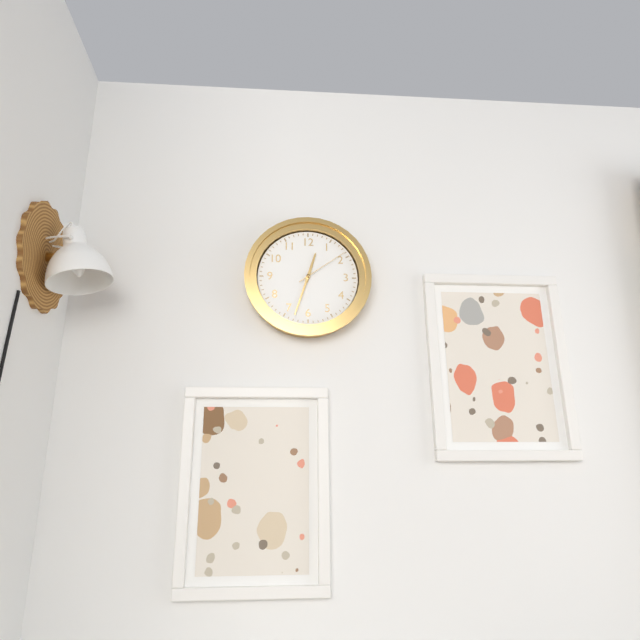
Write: h=12 m=33 s=9
